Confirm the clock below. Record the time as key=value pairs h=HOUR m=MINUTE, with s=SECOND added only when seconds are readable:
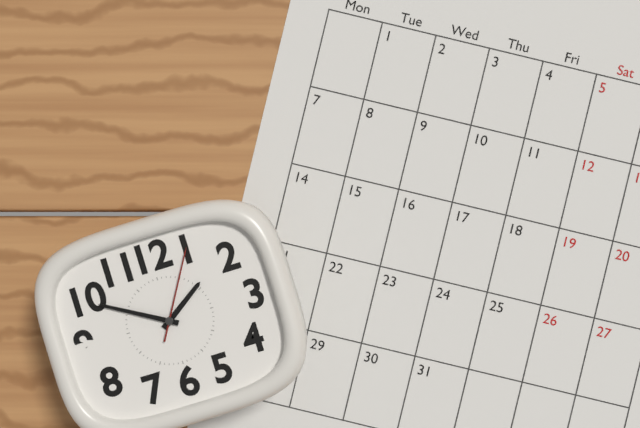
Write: h=1 m=50 s=5
